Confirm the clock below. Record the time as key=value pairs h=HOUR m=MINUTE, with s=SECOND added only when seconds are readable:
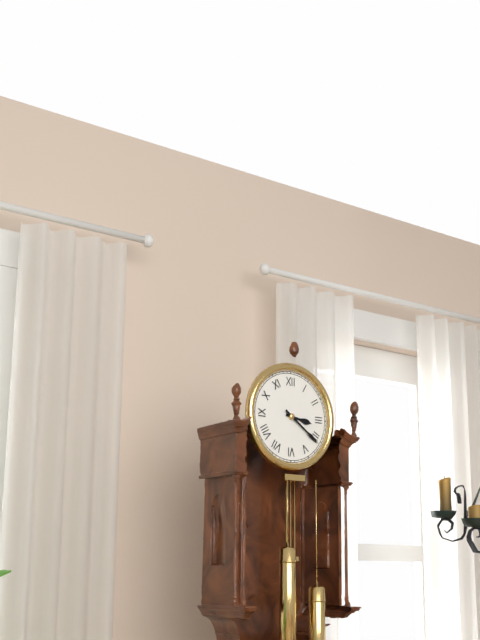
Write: h=3 m=21
